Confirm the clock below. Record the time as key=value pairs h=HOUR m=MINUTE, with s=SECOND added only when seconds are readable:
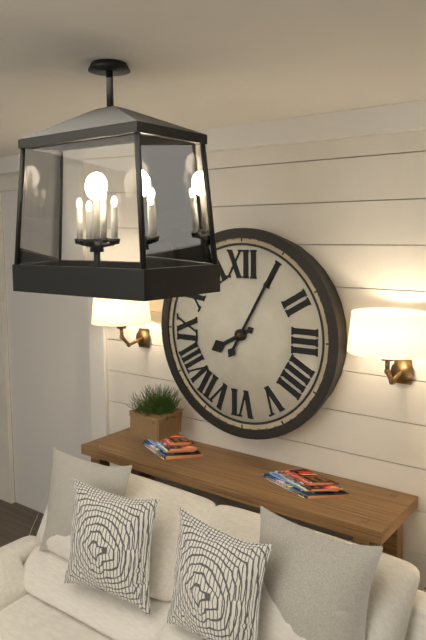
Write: h=8 m=5
